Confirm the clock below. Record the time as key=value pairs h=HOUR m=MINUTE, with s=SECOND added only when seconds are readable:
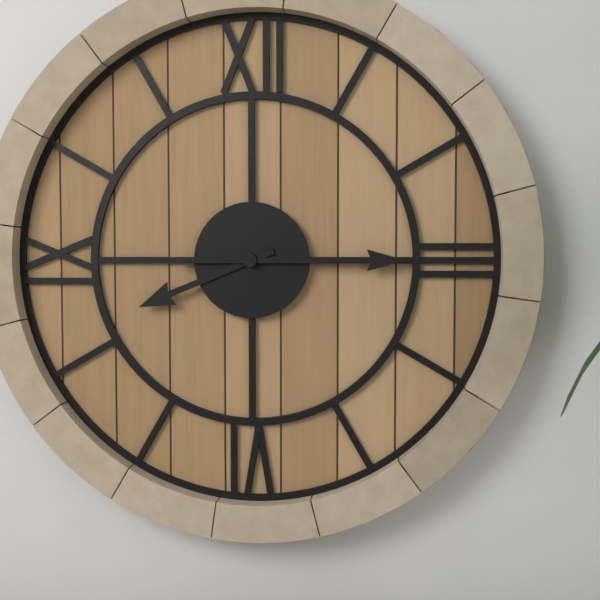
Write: h=8 m=15
